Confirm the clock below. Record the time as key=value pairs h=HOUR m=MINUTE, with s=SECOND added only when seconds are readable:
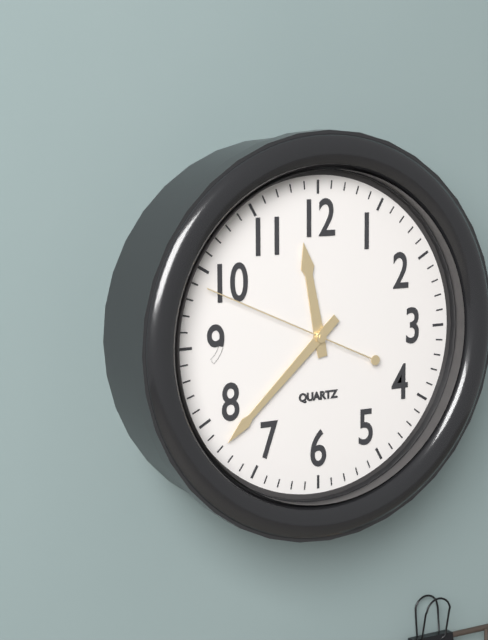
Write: h=11 m=38 s=49
